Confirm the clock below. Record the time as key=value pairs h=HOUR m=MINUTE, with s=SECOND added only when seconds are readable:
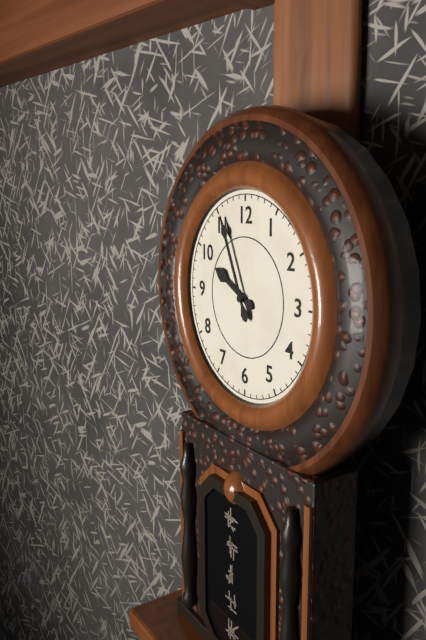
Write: h=9 m=56
